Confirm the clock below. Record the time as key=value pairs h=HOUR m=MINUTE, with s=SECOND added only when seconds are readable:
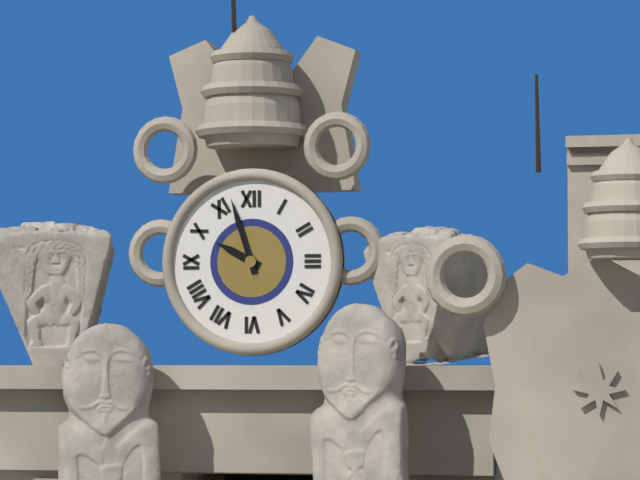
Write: h=9 m=57
